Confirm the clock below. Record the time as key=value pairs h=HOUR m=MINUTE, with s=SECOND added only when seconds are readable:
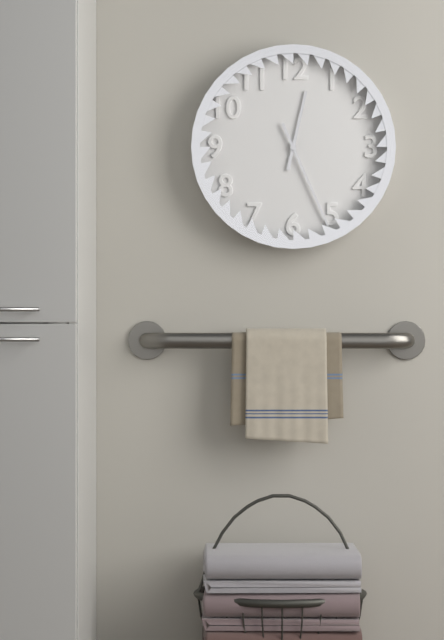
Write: h=12 m=26
